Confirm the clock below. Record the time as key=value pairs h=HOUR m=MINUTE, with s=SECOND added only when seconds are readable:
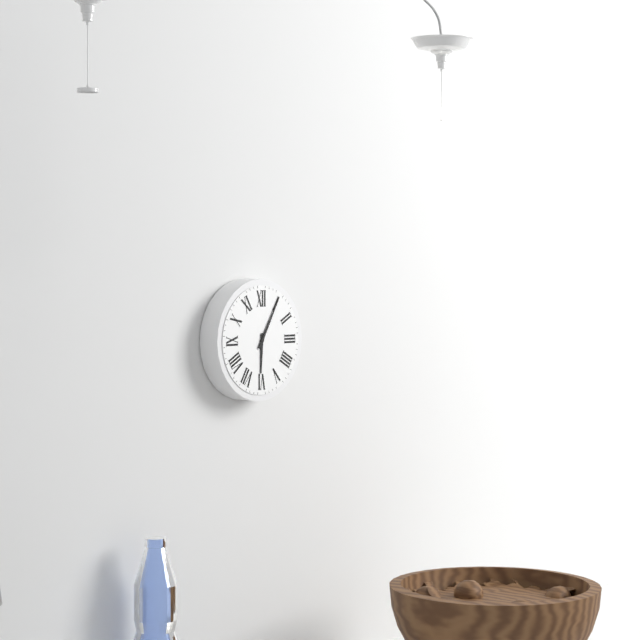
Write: h=6 m=5
